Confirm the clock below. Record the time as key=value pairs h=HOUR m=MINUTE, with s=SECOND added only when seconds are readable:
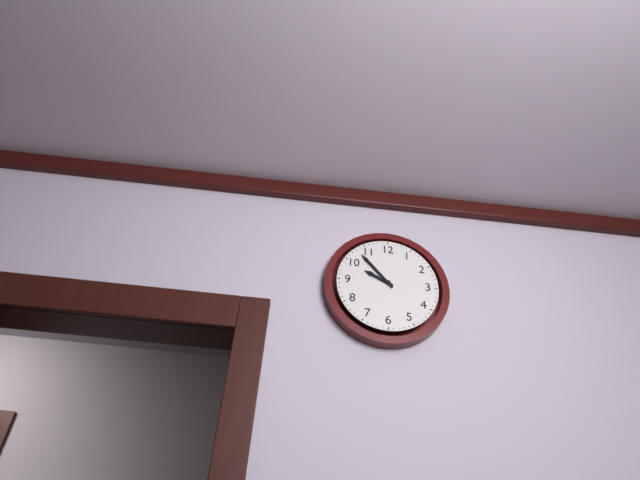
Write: h=9 m=53
